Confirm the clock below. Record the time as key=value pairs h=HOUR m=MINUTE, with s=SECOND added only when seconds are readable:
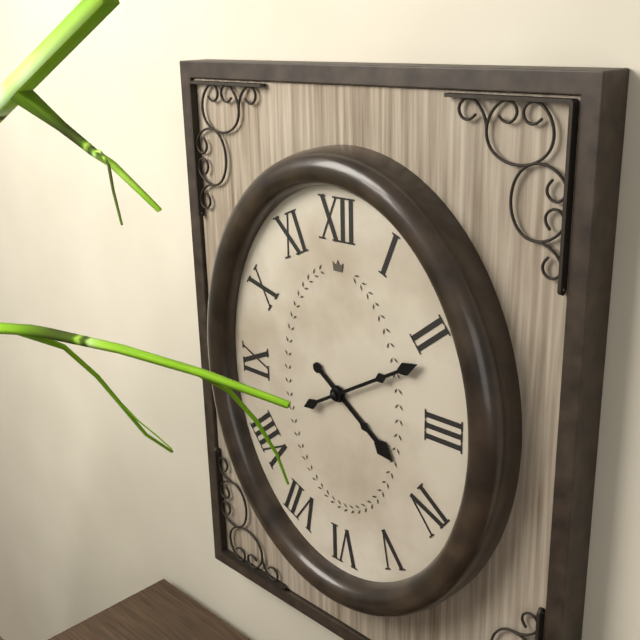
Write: h=4 m=10
